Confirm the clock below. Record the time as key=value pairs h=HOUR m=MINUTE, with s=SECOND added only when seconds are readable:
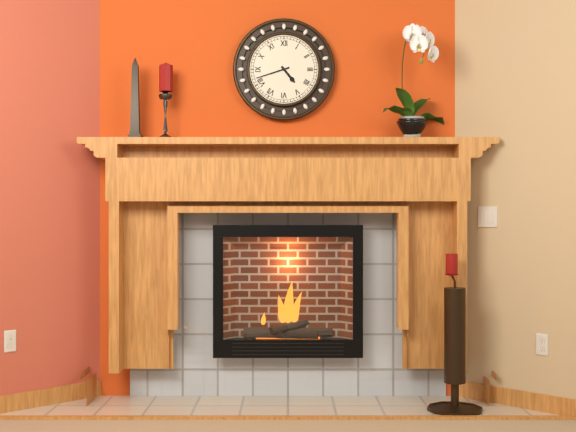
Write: h=4 m=42
